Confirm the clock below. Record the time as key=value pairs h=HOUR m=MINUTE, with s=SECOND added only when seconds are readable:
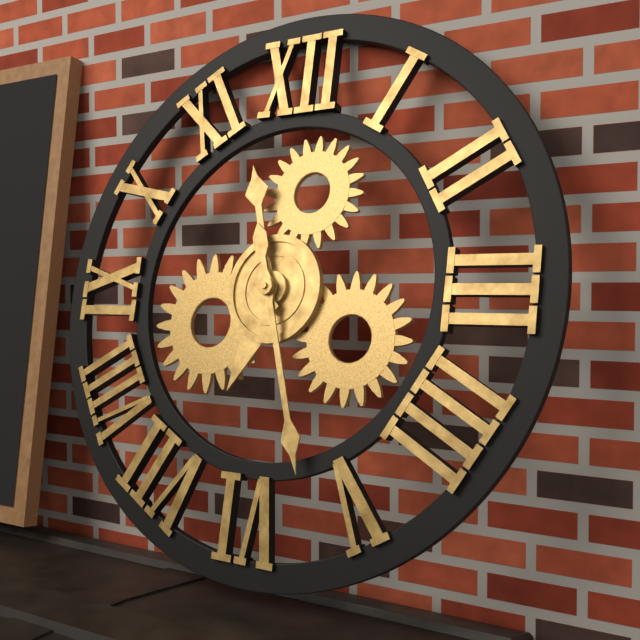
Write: h=11 m=27
